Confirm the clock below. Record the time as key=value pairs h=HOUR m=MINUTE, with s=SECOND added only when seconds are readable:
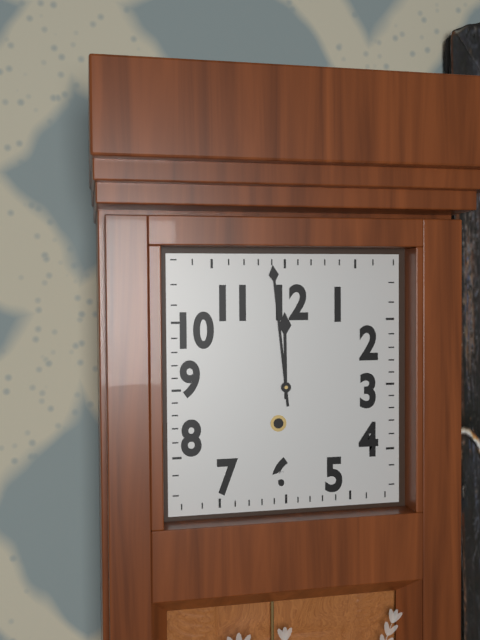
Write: h=11 m=59
